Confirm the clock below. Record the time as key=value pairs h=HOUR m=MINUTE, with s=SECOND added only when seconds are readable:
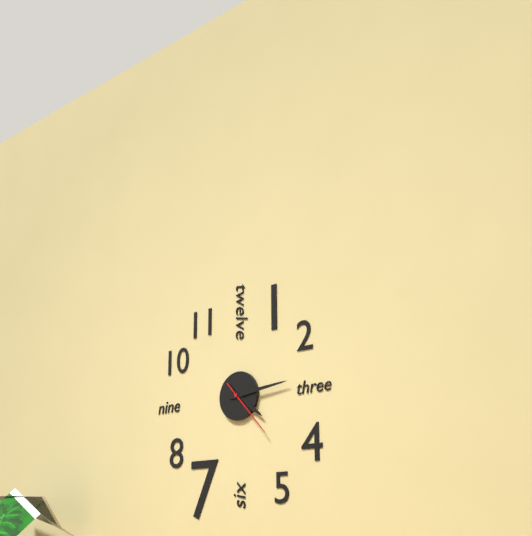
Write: h=4 m=14 s=23
